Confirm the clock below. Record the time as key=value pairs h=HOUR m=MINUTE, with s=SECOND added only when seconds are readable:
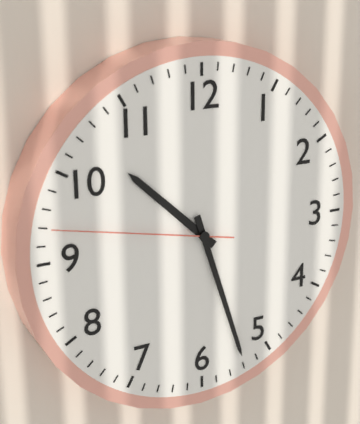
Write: h=10 m=27 s=47
